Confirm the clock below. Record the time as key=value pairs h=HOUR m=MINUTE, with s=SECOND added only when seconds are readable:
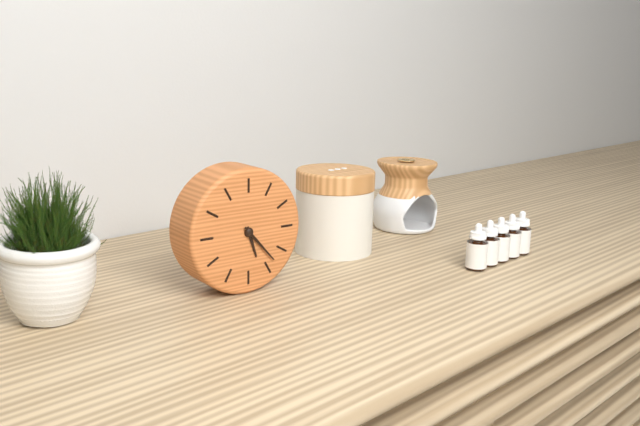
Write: h=5 m=23
